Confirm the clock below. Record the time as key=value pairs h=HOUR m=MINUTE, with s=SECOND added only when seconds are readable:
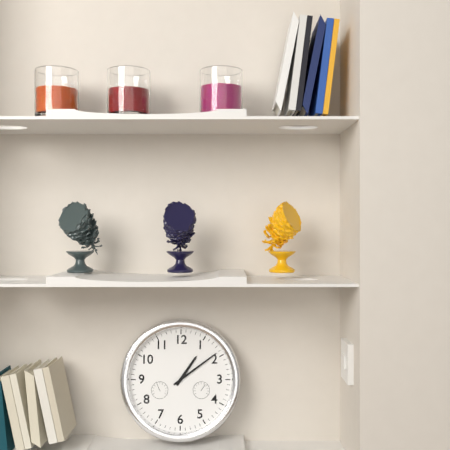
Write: h=1 m=9
